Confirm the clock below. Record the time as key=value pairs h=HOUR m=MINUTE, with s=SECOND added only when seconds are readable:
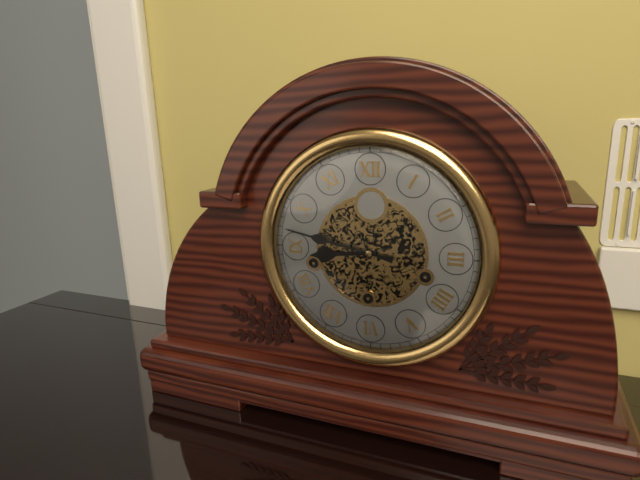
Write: h=8 m=47
